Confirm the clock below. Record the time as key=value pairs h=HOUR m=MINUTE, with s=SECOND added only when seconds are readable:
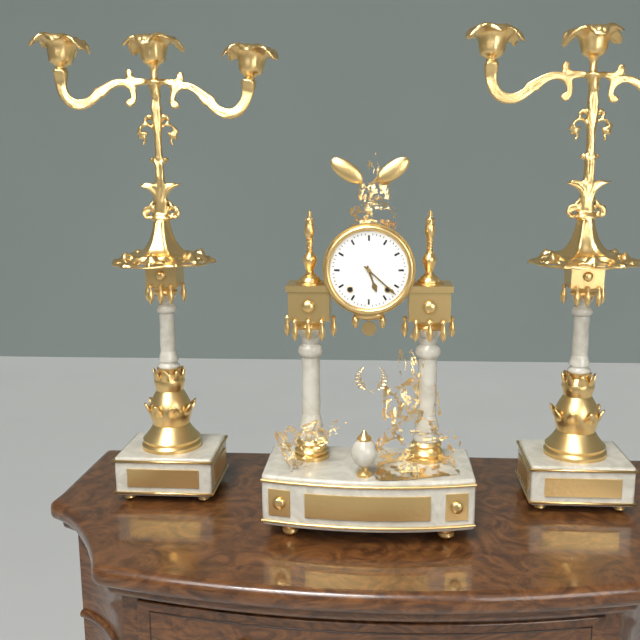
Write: h=5 m=22
